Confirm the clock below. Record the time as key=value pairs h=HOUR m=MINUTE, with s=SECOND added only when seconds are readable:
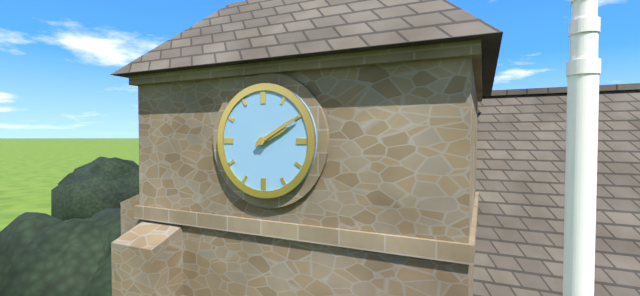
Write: h=2 m=10
